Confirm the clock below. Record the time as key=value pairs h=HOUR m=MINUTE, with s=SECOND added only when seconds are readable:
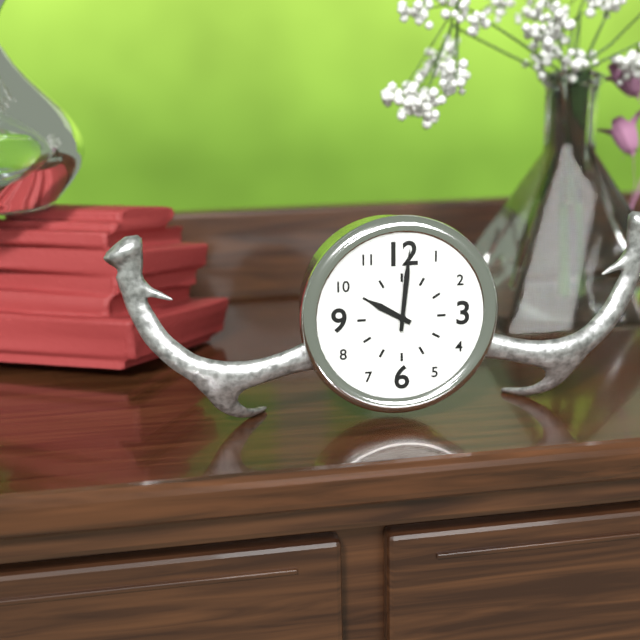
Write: h=10 m=1
